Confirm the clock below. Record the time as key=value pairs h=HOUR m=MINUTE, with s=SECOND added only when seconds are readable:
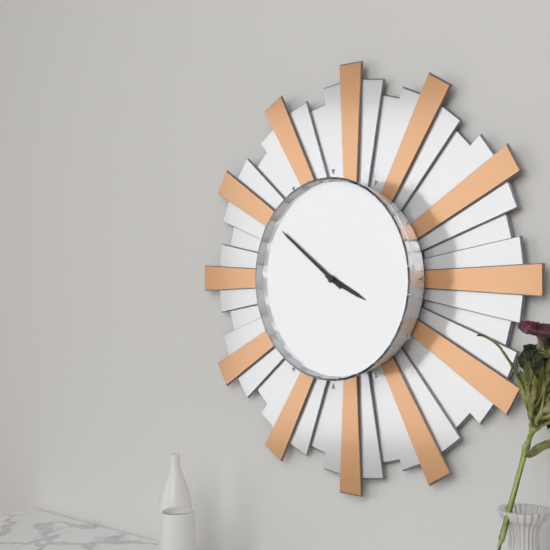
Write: h=3 m=51
